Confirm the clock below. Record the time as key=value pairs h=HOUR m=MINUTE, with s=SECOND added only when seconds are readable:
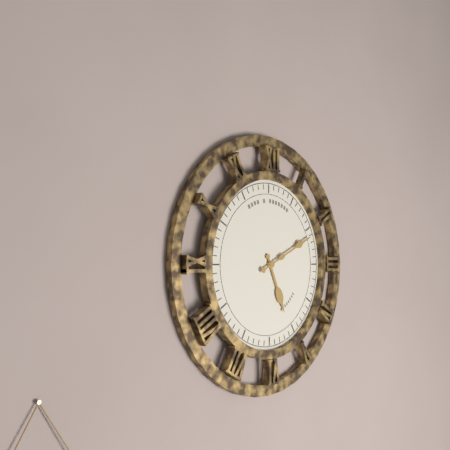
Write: h=5 m=11
